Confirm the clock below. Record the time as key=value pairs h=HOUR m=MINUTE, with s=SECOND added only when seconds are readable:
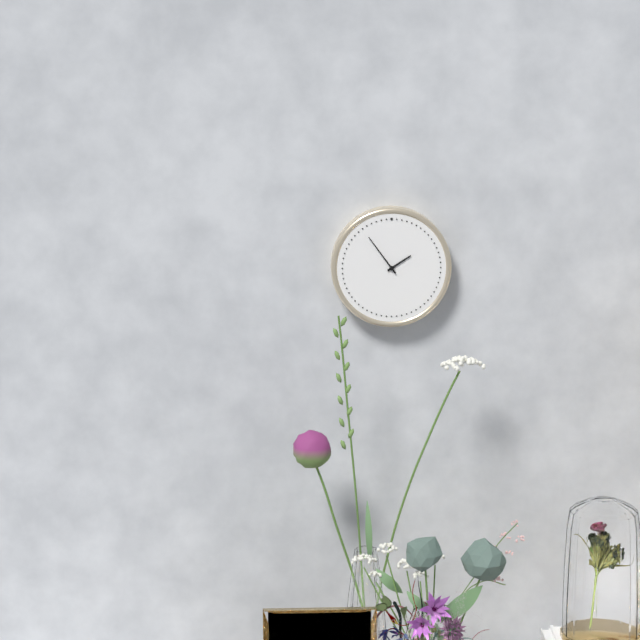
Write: h=1 m=54
